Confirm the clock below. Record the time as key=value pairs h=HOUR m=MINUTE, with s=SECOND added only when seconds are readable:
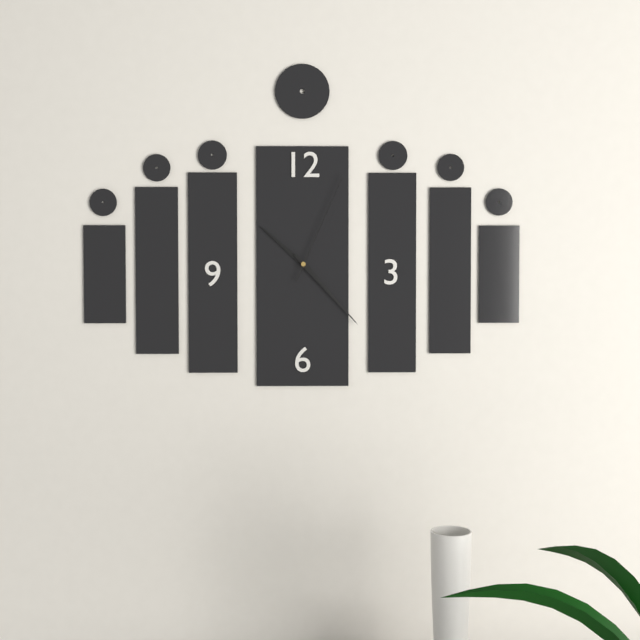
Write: h=10 m=23 s=4
